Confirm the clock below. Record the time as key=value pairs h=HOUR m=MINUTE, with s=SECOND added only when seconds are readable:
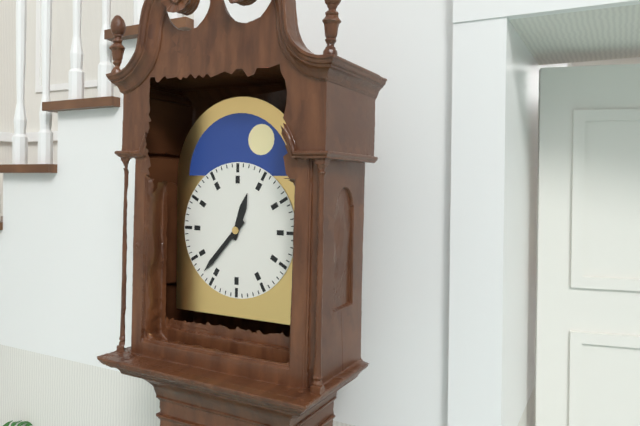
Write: h=12 m=37
